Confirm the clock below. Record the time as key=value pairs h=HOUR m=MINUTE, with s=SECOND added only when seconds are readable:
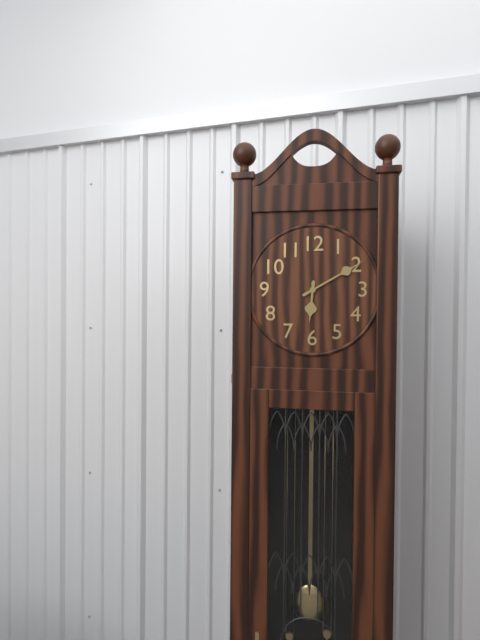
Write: h=6 m=10
